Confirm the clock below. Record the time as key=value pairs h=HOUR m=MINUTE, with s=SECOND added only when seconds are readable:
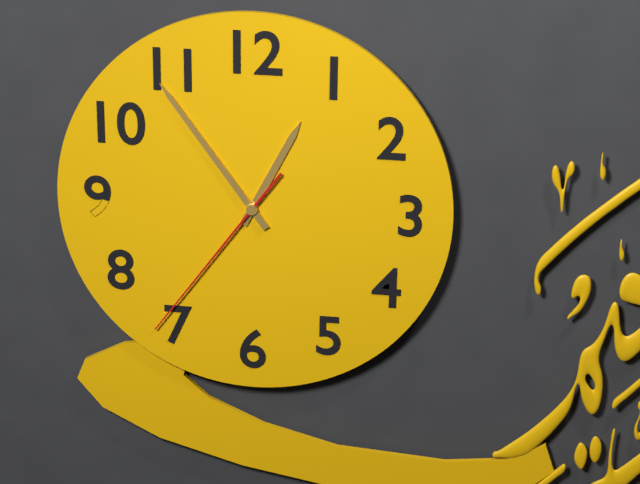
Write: h=12 m=54 s=36
